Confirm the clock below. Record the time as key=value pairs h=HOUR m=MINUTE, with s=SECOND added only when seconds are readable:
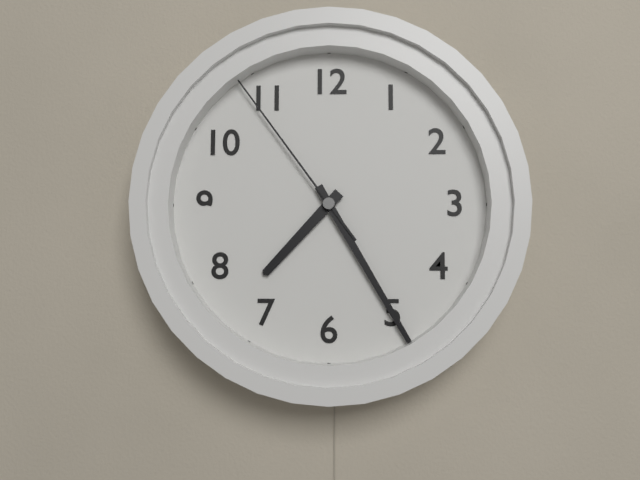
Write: h=7 m=25 s=54
